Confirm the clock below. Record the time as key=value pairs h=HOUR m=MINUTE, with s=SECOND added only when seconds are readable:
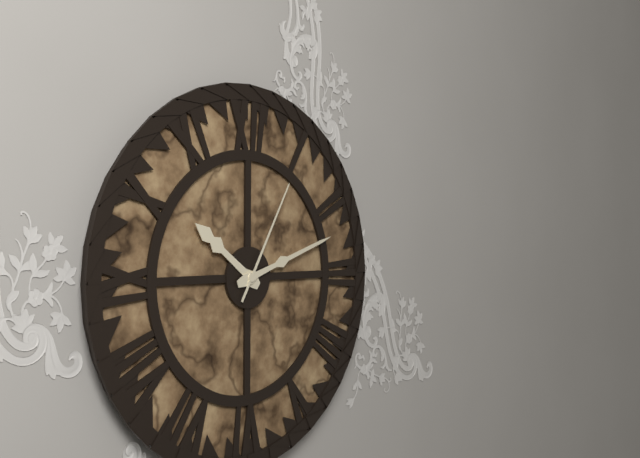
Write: h=10 m=12 s=5
